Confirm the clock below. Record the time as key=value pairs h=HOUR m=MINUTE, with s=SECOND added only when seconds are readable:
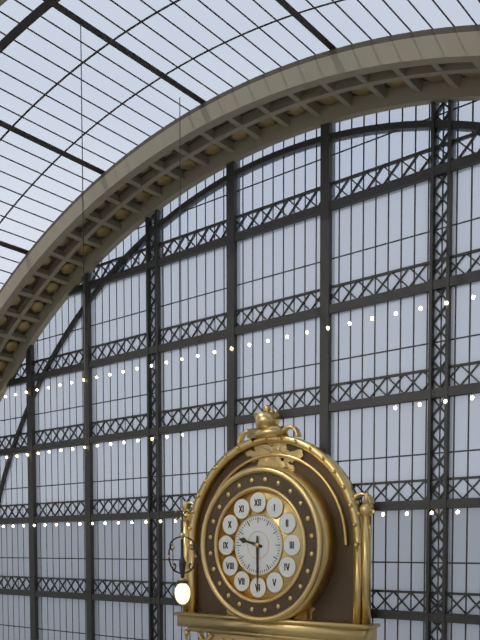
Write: h=9 m=30
